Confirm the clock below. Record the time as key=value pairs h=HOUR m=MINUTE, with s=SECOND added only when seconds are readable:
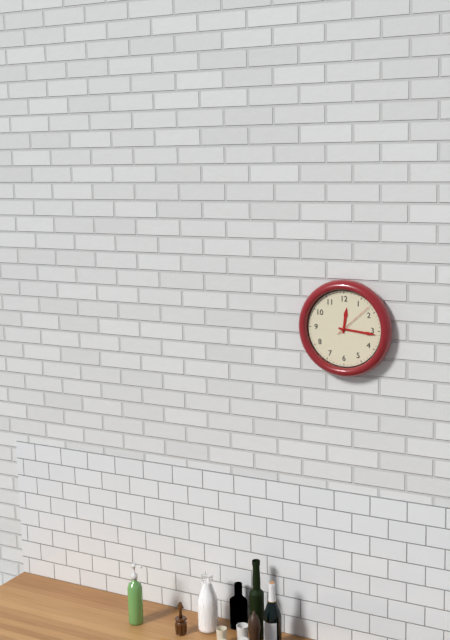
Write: h=12 m=16
